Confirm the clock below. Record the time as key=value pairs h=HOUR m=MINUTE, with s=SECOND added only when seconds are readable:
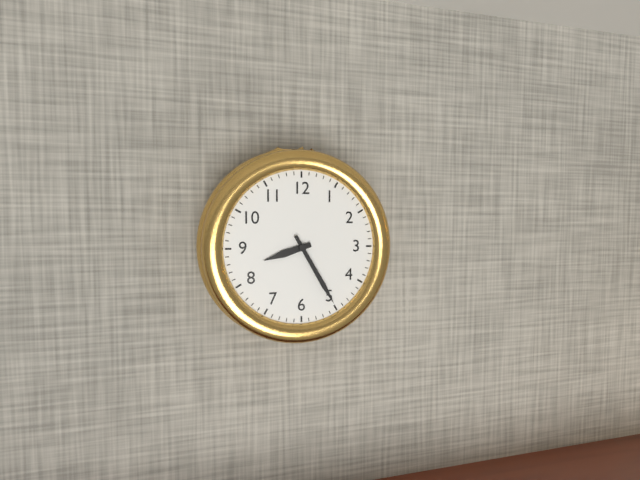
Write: h=8 m=25
